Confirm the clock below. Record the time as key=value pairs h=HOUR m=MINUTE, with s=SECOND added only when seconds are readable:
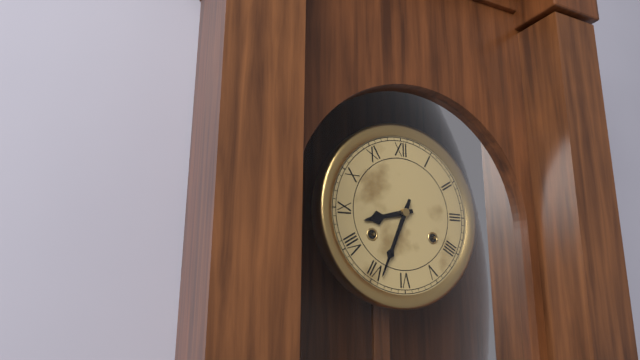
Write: h=8 m=34
